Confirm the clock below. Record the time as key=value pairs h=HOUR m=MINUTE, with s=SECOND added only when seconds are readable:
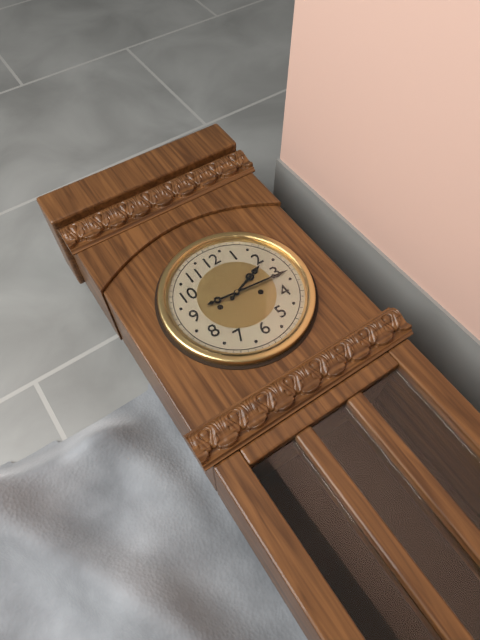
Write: h=2 m=16
